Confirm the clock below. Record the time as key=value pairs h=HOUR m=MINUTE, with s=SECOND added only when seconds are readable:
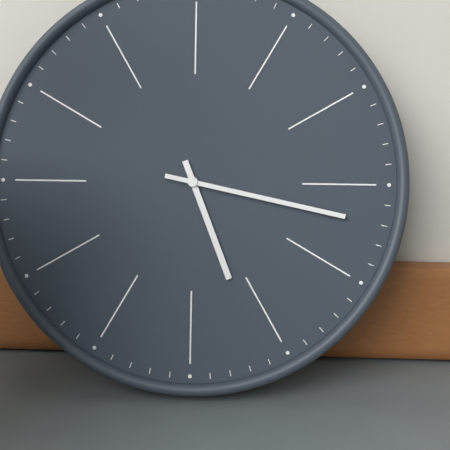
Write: h=5 m=17
